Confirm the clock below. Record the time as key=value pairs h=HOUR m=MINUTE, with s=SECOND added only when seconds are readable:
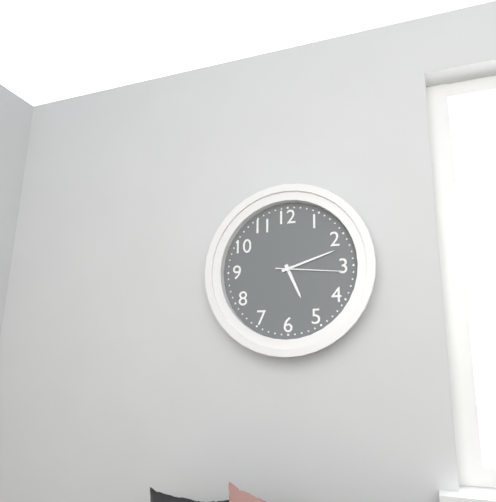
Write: h=5 m=12 s=16
